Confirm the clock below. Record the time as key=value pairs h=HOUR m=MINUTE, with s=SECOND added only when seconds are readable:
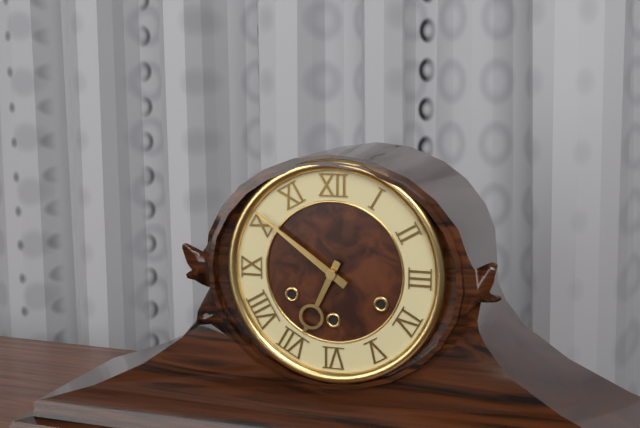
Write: h=6 m=51
